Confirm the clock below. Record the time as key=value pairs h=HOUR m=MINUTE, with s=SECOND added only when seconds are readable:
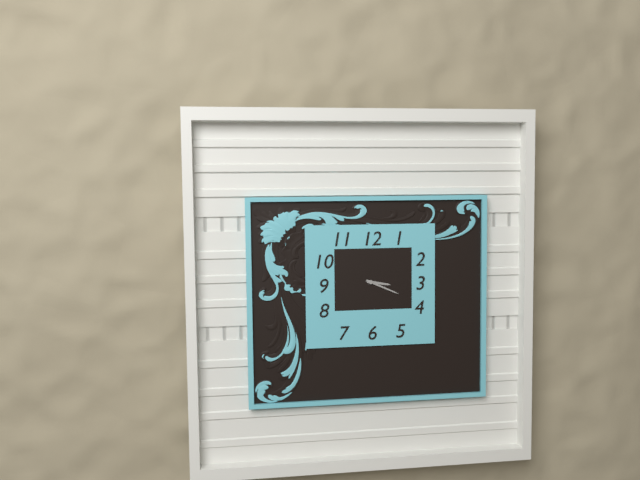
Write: h=3 m=19
